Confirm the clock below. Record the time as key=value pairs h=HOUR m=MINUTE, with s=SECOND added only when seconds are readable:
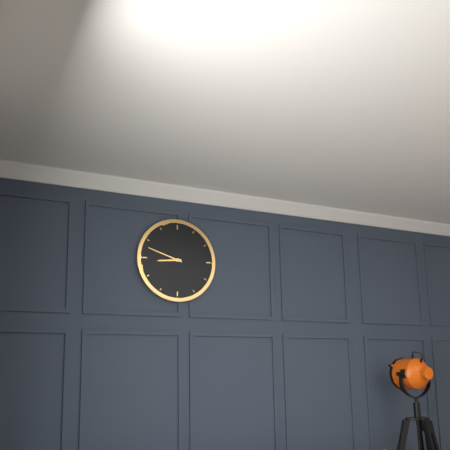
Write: h=8 m=48
